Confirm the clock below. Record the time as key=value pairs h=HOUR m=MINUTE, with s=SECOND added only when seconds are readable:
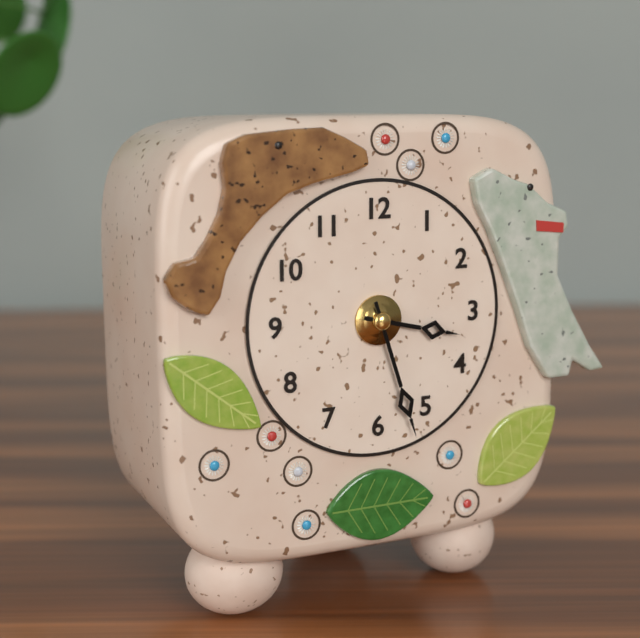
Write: h=3 m=27
